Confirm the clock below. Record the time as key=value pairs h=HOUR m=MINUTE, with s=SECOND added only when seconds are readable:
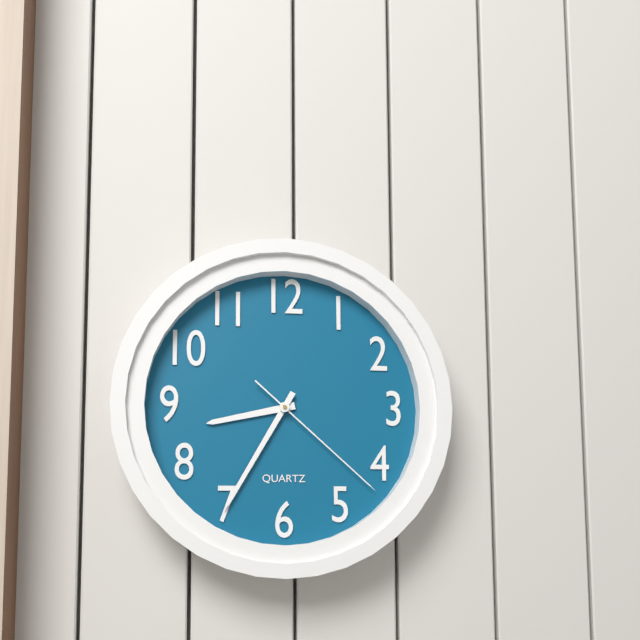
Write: h=8 m=35 s=22
